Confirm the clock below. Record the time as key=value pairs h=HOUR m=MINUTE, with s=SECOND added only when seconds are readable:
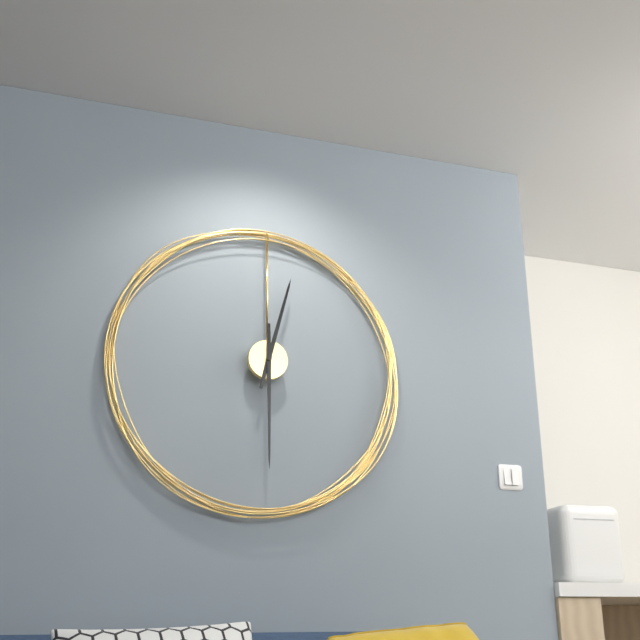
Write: h=12 m=30
